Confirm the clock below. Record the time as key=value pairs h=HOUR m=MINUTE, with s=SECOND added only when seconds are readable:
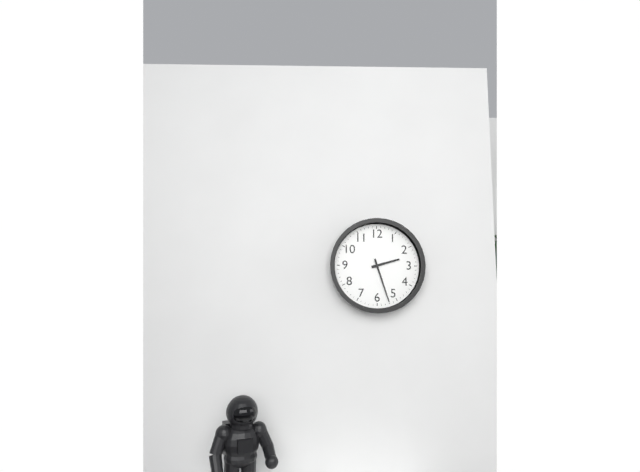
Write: h=2 m=27
